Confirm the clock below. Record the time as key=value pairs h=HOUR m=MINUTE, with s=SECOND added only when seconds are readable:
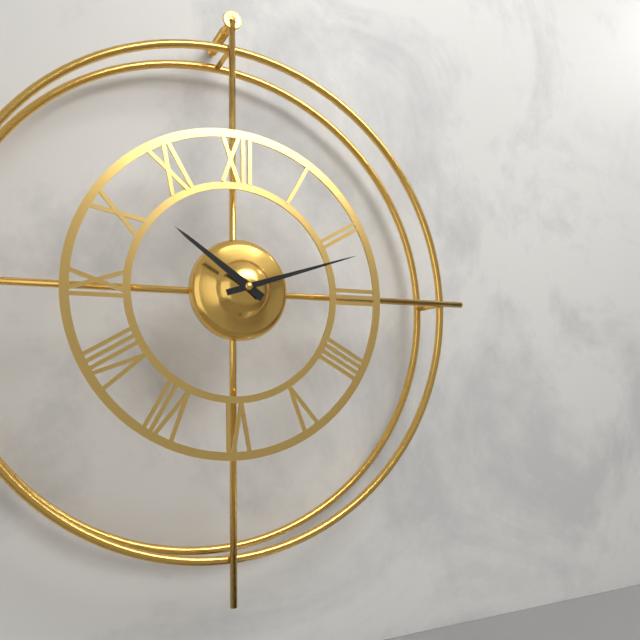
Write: h=10 m=12
